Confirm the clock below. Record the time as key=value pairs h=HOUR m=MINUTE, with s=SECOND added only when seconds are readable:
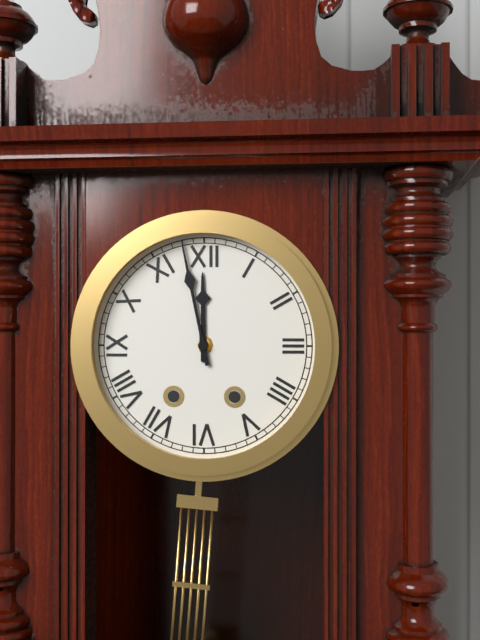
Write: h=11 m=58
